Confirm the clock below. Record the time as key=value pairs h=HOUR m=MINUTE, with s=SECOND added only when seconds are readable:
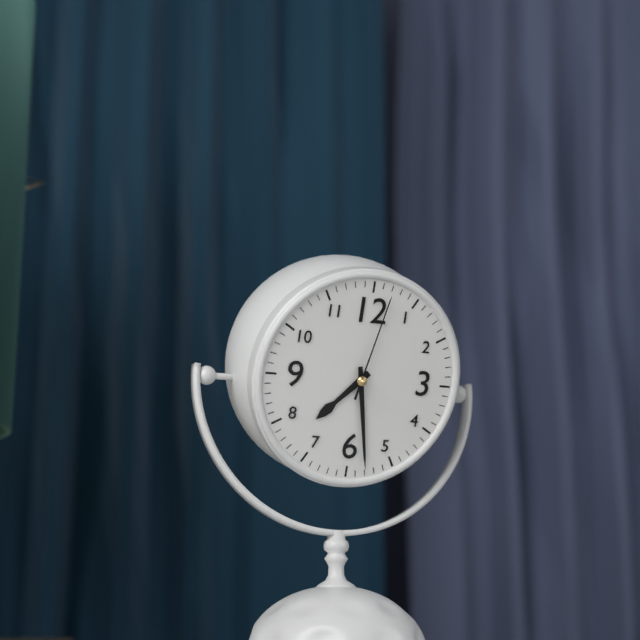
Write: h=7 m=28 s=2
